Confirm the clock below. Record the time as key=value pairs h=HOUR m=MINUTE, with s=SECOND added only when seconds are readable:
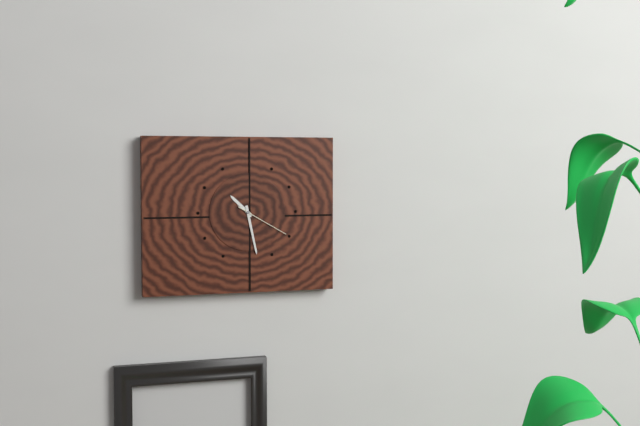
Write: h=10 m=28 s=20
